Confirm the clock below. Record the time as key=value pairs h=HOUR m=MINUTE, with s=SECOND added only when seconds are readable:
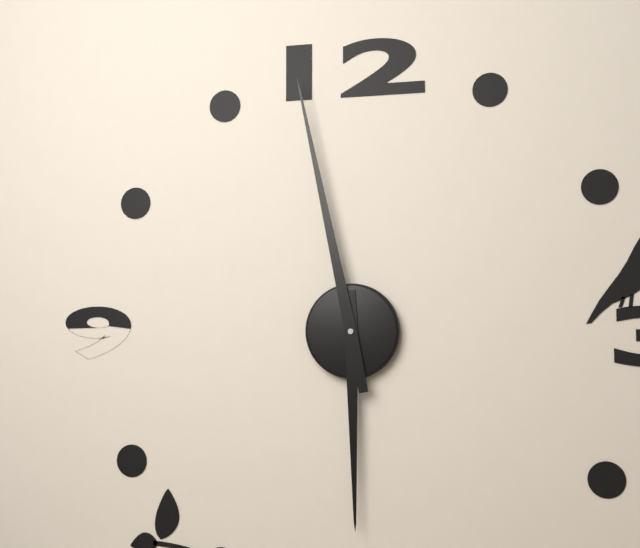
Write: h=5 m=58
